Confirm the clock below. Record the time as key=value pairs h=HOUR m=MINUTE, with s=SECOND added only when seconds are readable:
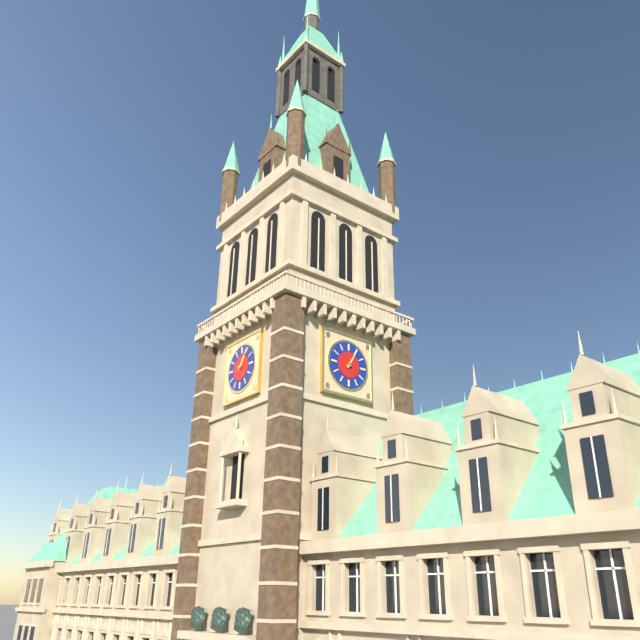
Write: h=1 m=5
